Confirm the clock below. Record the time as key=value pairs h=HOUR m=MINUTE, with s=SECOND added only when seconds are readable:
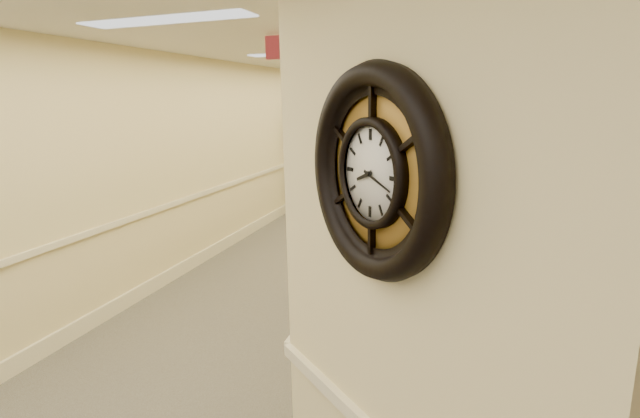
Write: h=8 m=18
